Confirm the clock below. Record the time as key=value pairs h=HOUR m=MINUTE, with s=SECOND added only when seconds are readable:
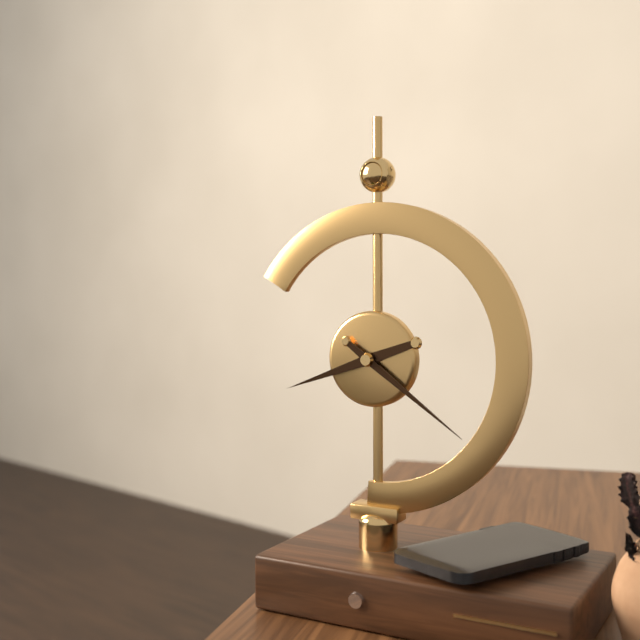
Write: h=8 m=21
